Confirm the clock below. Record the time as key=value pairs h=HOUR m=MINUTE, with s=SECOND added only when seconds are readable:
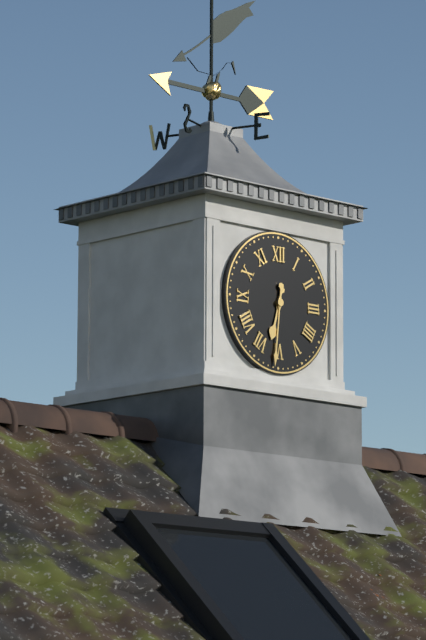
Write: h=6 m=31
